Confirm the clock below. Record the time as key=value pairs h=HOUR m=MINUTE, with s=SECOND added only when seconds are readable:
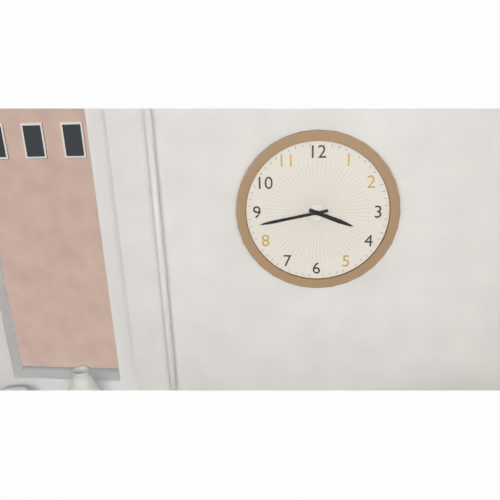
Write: h=3 m=43
